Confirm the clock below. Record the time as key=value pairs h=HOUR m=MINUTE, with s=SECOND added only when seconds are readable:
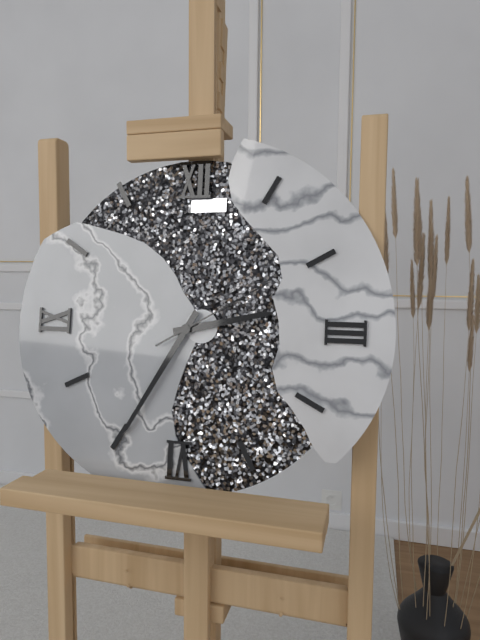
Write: h=2 m=35 s=10
